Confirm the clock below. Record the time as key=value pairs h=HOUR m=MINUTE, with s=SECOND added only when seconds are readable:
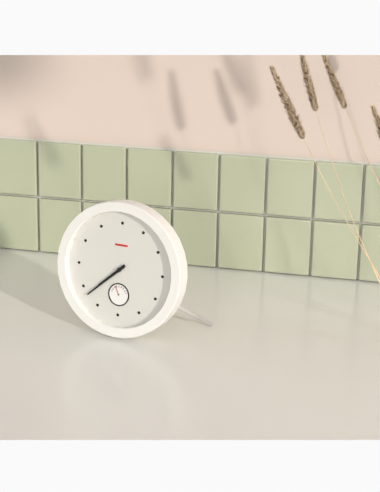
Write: h=7 m=38
